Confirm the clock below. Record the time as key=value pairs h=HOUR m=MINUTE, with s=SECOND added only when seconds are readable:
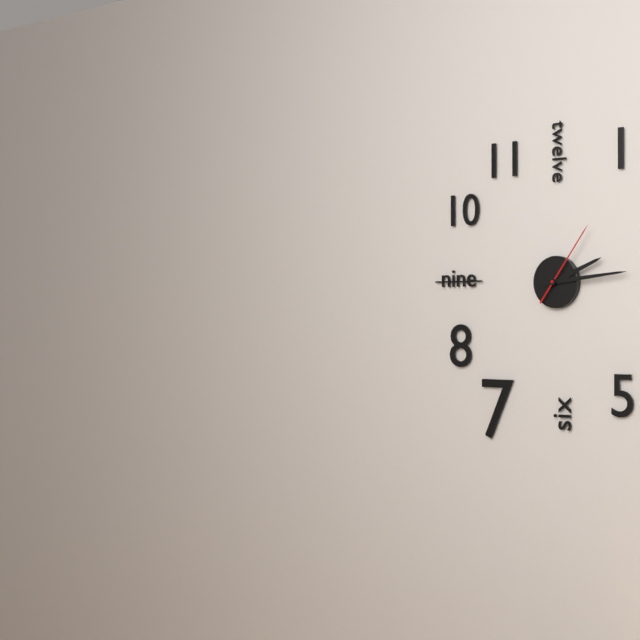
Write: h=2 m=14 s=6
